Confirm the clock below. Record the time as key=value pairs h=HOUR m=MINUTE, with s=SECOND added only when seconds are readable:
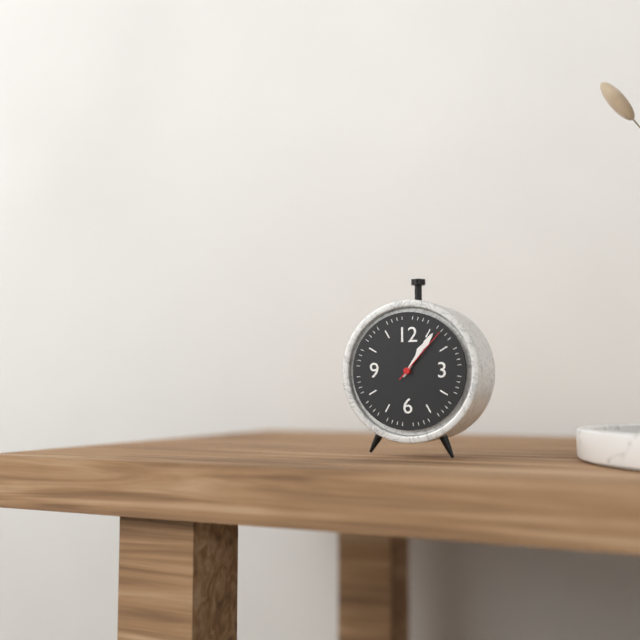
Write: h=1 m=6 s=7
